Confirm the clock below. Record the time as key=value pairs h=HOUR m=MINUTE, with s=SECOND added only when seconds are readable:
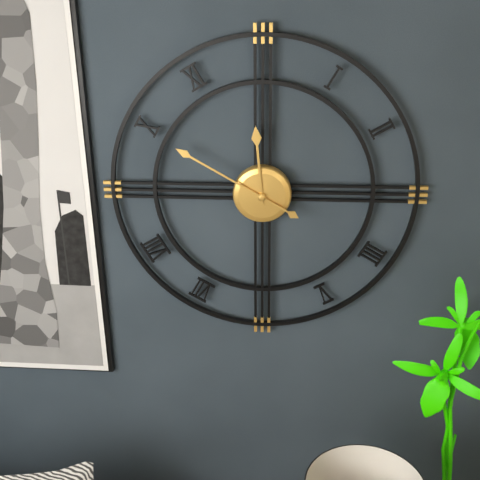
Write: h=11 m=50
